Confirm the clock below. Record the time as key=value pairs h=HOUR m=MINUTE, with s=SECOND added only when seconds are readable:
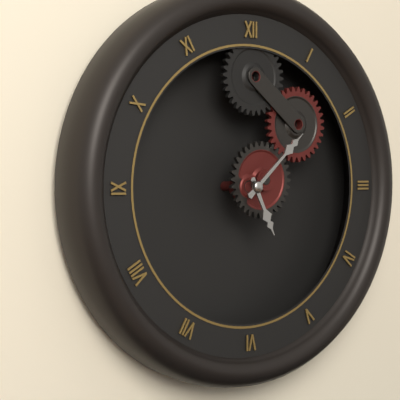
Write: h=5 m=8
